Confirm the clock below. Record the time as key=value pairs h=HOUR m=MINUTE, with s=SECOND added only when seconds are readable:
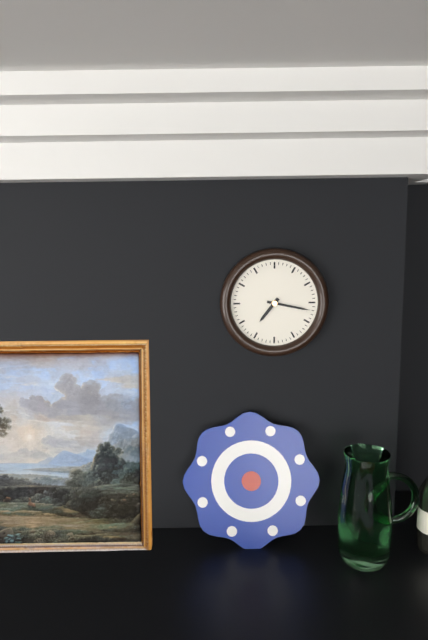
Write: h=7 m=17
